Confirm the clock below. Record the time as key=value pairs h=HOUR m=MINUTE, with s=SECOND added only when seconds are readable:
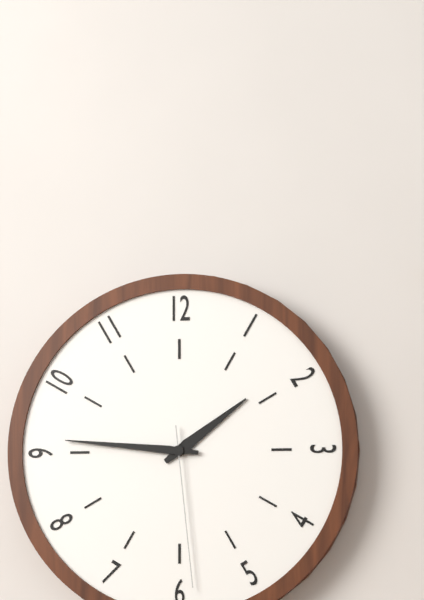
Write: h=1 m=46 s=29
